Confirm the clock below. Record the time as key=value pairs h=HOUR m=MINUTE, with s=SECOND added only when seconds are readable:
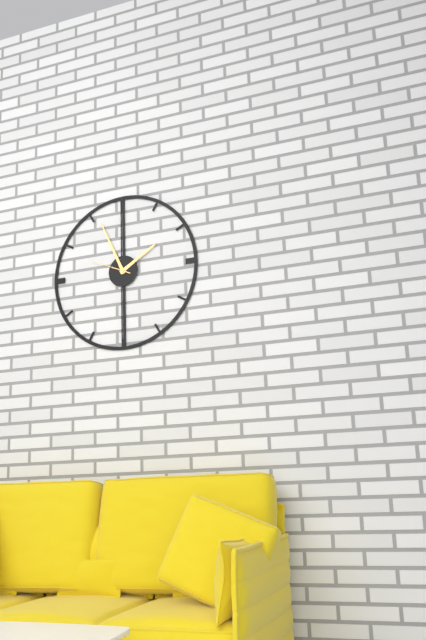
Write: h=1 m=56
